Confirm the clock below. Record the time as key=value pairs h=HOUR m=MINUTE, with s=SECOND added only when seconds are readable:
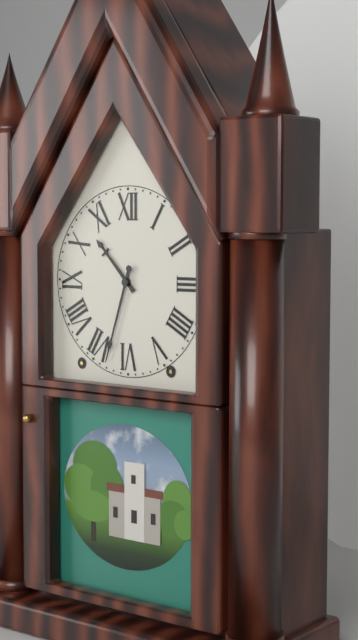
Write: h=10 m=33
